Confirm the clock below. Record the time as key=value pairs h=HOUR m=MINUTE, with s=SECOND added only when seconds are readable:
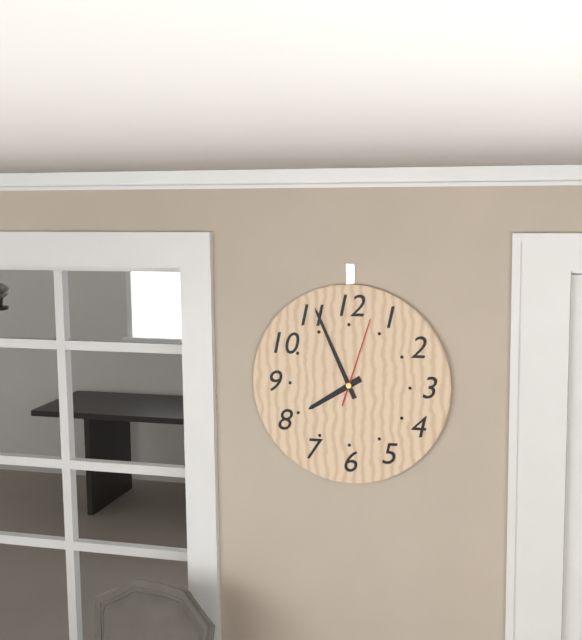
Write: h=7 m=56 s=3
